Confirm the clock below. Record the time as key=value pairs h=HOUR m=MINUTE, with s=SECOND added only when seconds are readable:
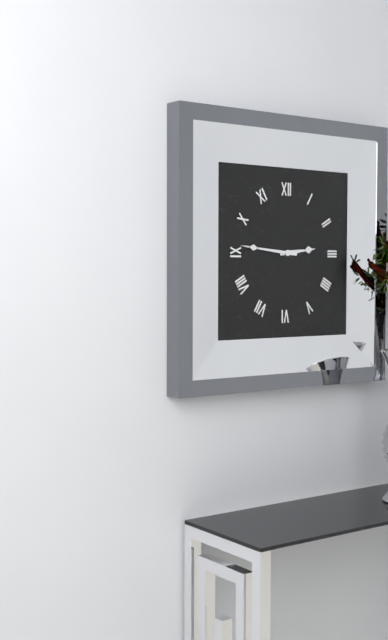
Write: h=2 m=46
